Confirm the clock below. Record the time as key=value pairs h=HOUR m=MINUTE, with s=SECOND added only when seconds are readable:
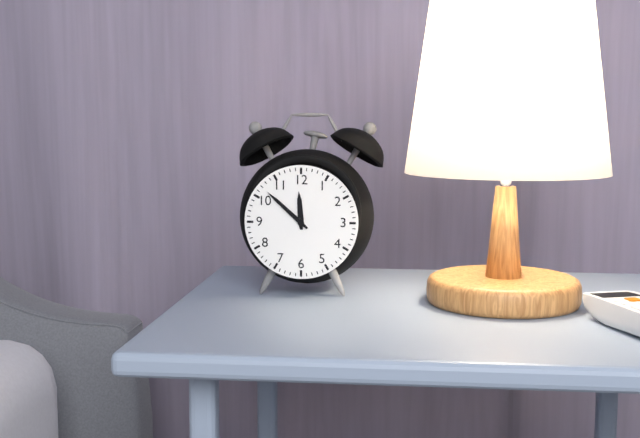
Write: h=11 m=52
